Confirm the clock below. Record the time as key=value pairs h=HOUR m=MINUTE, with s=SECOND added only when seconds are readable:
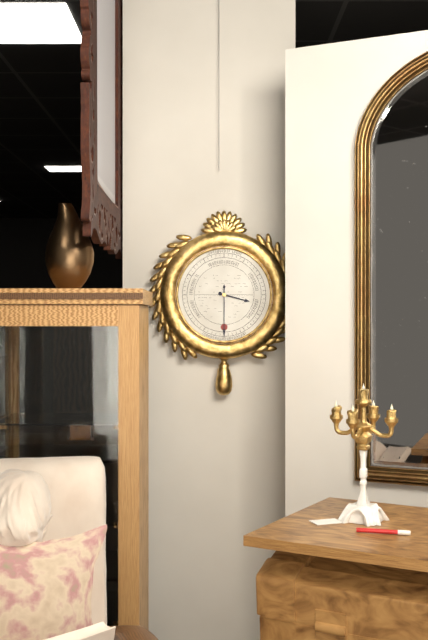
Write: h=3 m=30
